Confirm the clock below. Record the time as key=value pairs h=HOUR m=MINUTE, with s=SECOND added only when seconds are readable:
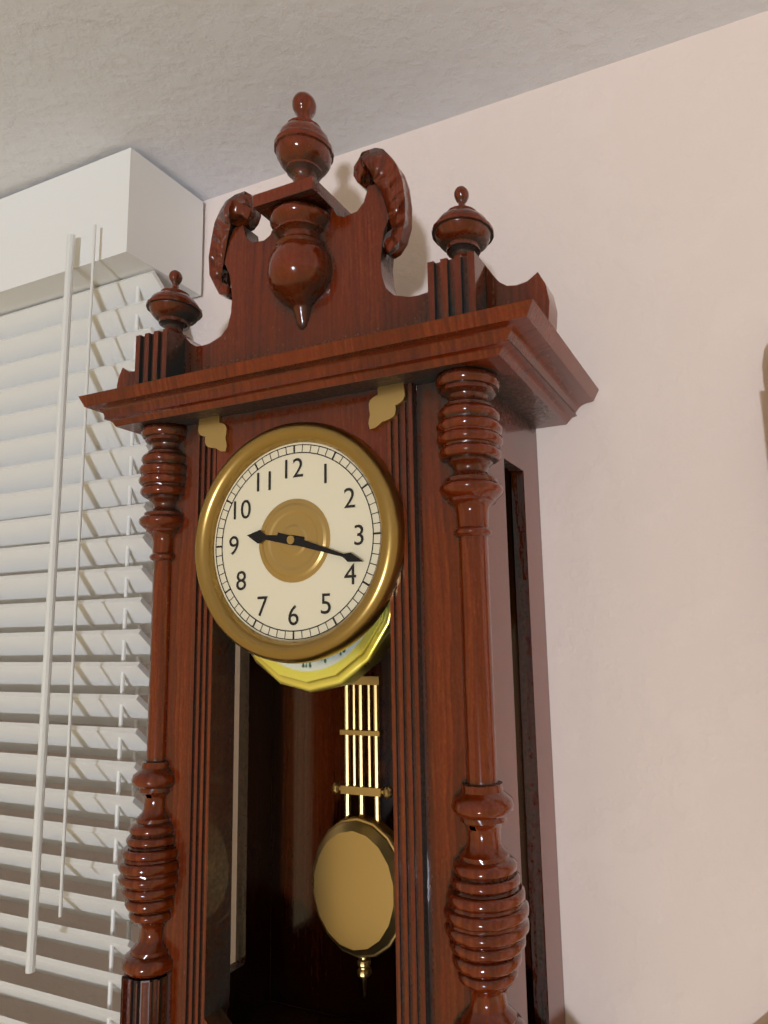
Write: h=9 m=18
